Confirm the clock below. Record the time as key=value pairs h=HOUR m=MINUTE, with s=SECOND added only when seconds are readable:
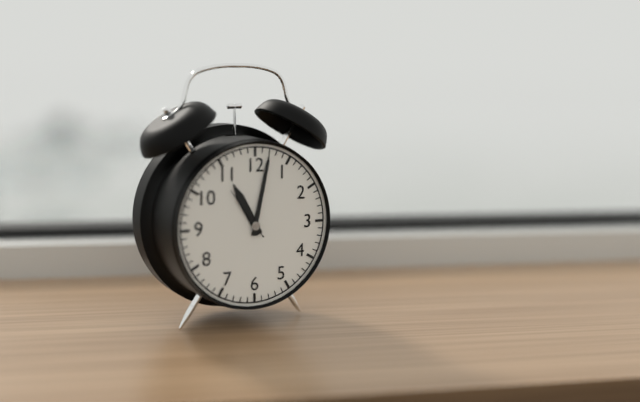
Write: h=11 m=2
